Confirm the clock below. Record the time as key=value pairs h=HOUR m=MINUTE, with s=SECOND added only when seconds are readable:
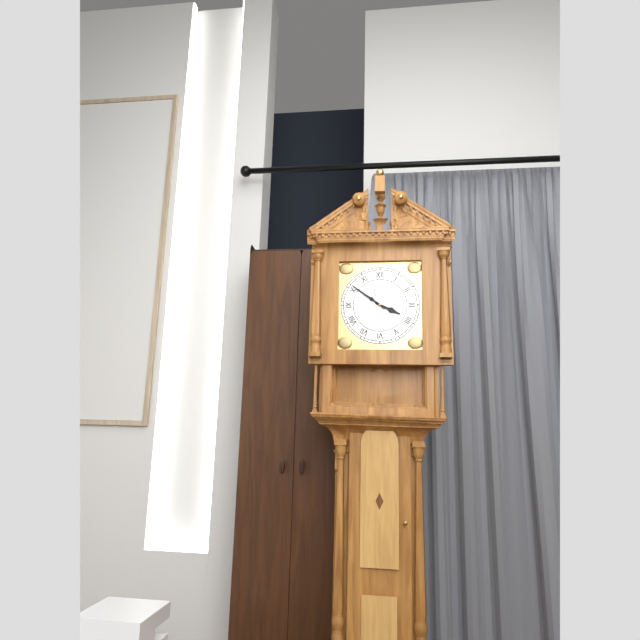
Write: h=3 m=51
